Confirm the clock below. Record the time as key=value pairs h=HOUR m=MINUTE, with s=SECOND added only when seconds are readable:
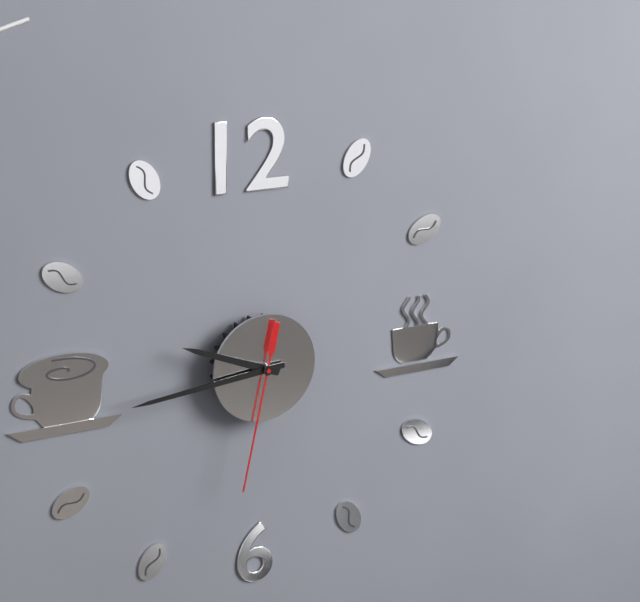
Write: h=9 m=44 s=32
